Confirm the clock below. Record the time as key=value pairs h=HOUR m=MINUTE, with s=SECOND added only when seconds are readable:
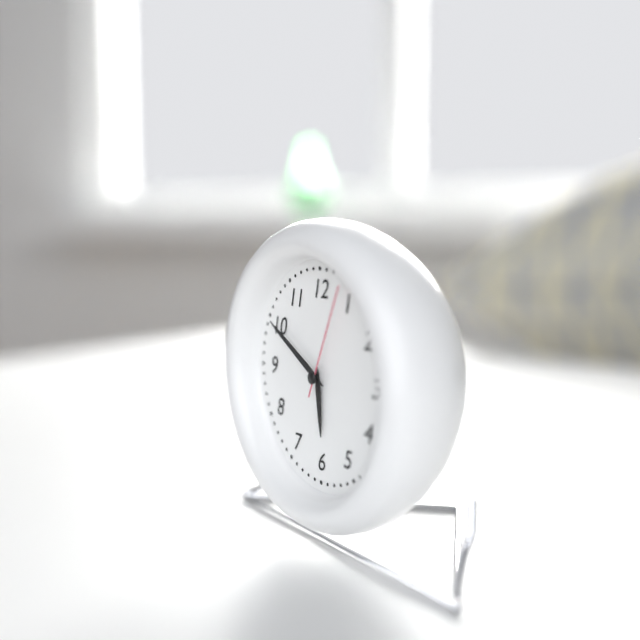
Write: h=5 m=50 s=4
